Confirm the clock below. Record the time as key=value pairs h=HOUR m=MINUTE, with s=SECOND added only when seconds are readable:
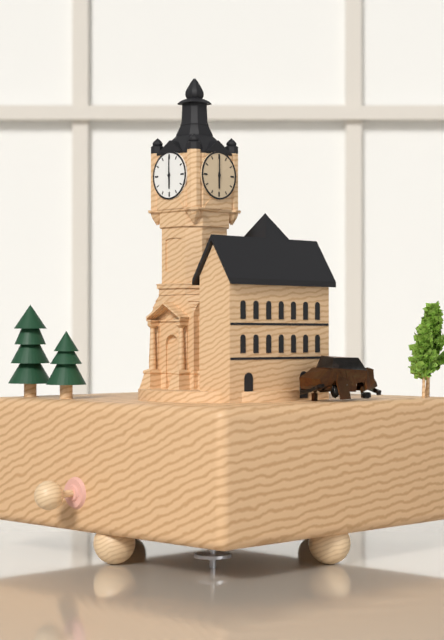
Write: h=6 m=0
